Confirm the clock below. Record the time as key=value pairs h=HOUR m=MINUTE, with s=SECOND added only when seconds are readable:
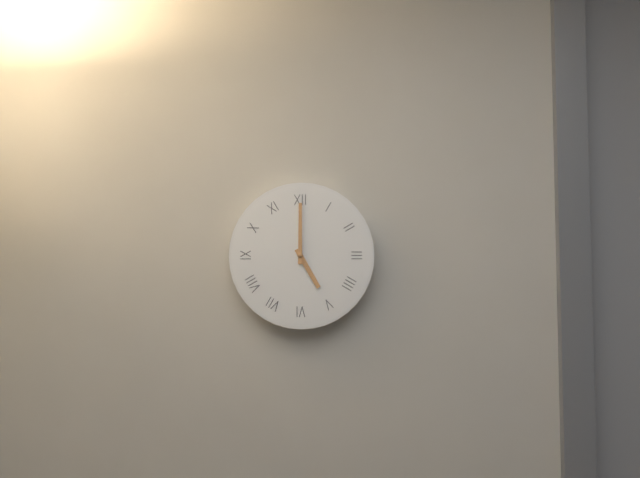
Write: h=5 m=0
